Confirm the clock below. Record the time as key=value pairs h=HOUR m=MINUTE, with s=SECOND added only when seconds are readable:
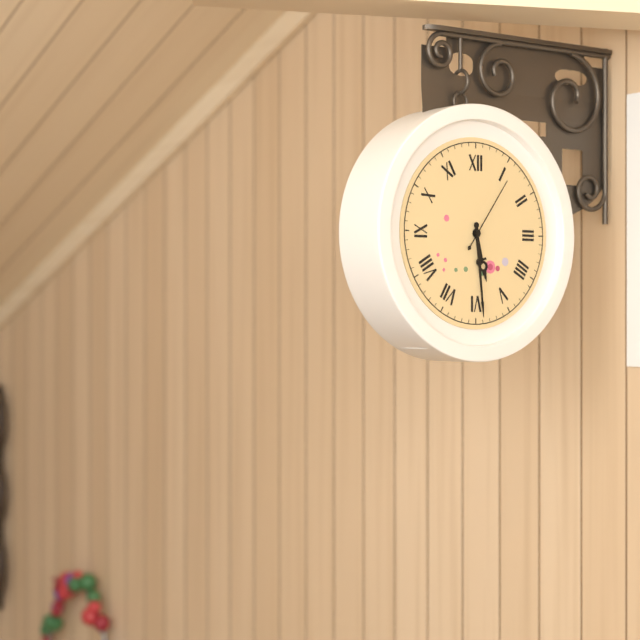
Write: h=5 m=29 s=6
